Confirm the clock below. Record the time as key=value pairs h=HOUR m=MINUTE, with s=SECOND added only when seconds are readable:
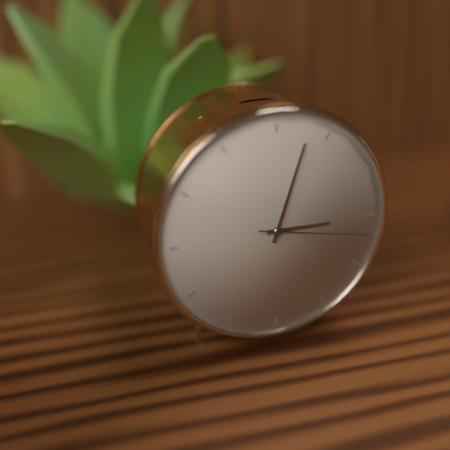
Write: h=3 m=3 s=17
